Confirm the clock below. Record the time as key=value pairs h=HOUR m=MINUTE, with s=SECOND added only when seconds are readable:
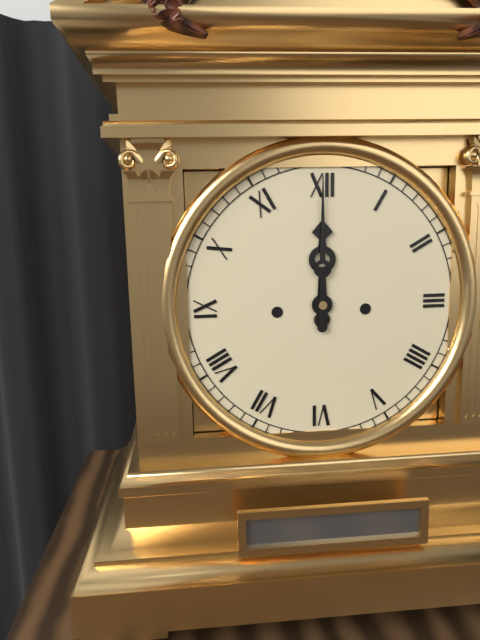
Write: h=12 m=0
